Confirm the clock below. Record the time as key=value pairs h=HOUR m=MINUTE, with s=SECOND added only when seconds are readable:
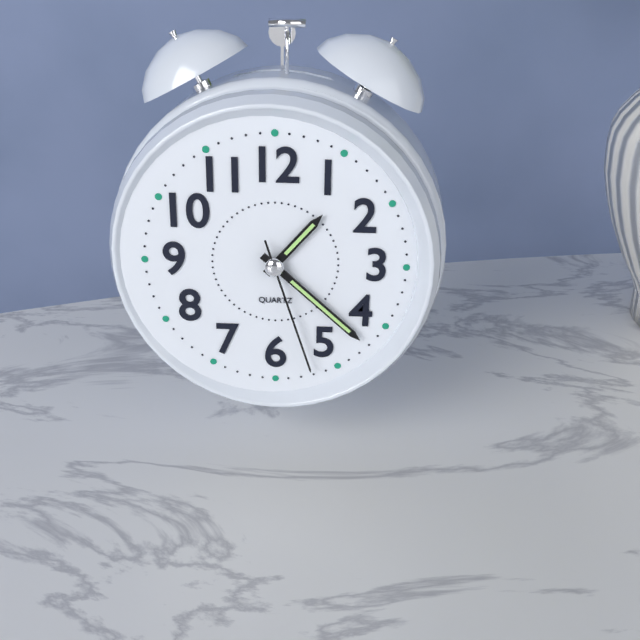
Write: h=1 m=22 s=27
